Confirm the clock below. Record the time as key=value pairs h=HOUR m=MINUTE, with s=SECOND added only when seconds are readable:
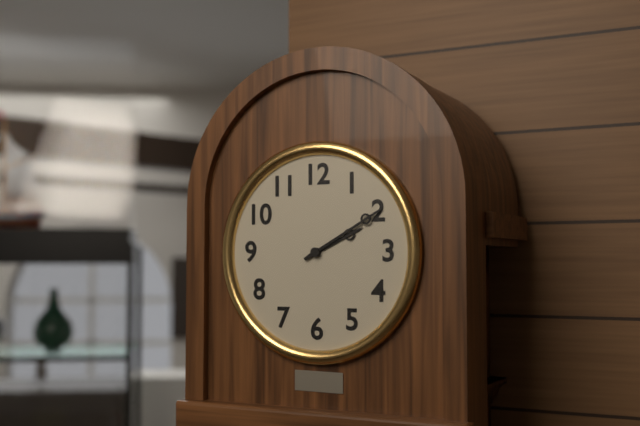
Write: h=2 m=10
